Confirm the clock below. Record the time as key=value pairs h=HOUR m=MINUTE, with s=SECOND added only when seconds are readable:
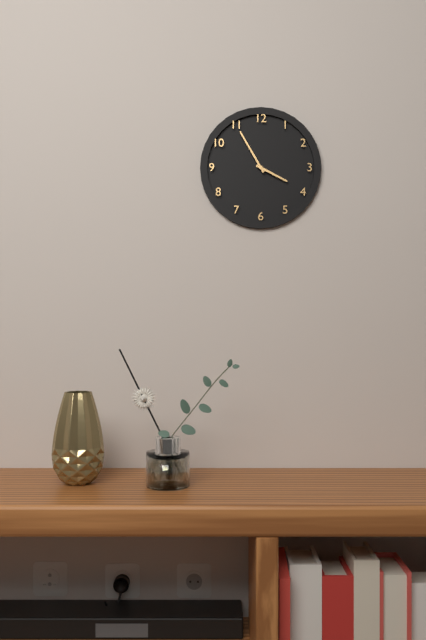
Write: h=3 m=55
